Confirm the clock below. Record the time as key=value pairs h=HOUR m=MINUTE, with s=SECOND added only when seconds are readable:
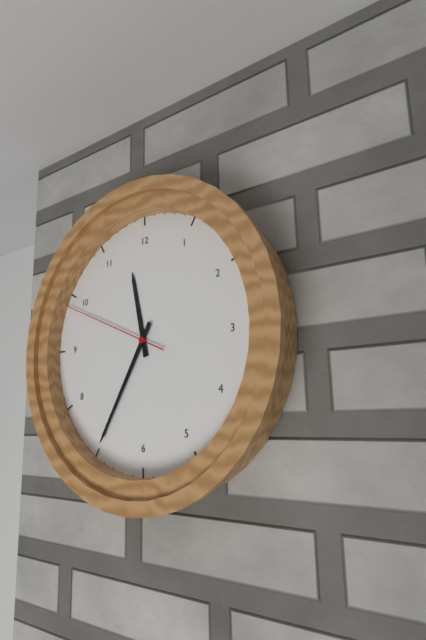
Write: h=11 m=35 s=49
